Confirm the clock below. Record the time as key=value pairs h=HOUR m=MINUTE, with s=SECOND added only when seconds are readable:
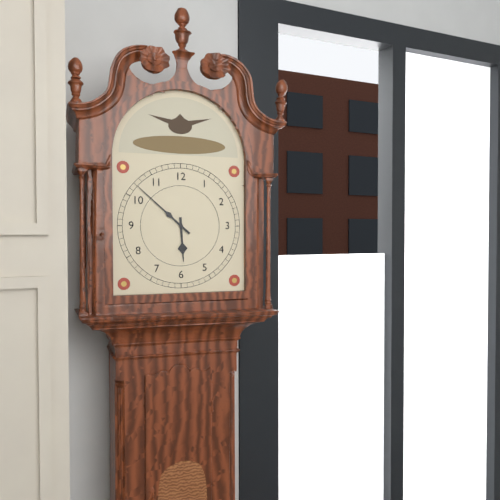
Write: h=5 m=52
